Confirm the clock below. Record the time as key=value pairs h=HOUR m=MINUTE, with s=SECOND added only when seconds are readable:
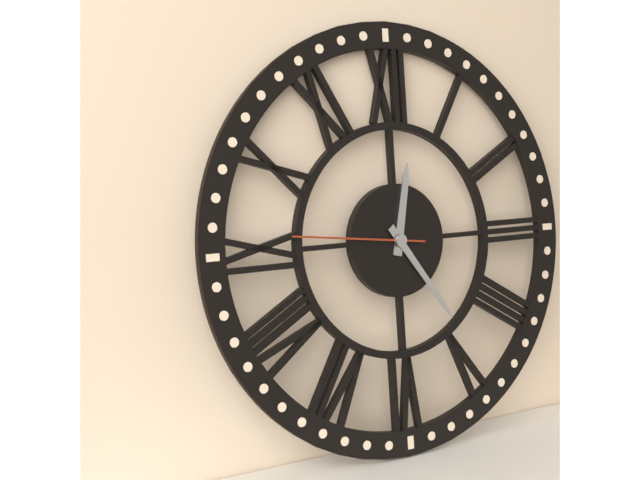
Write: h=12 m=24 s=46
